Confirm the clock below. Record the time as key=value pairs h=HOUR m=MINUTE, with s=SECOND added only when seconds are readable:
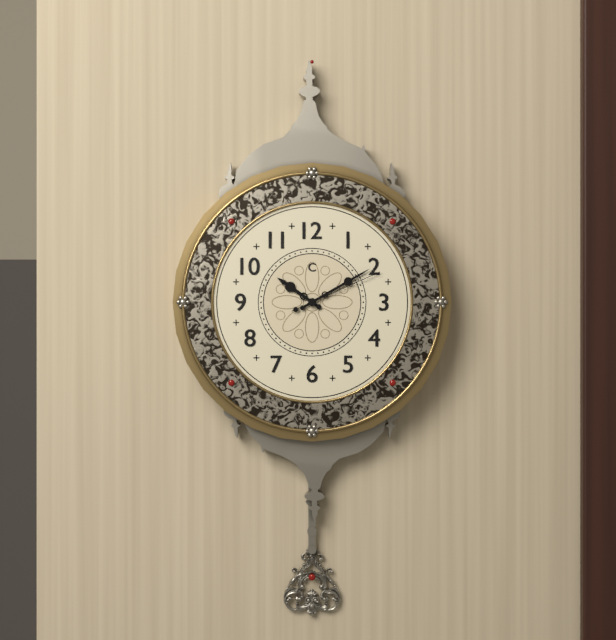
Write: h=10 m=10 s=11
